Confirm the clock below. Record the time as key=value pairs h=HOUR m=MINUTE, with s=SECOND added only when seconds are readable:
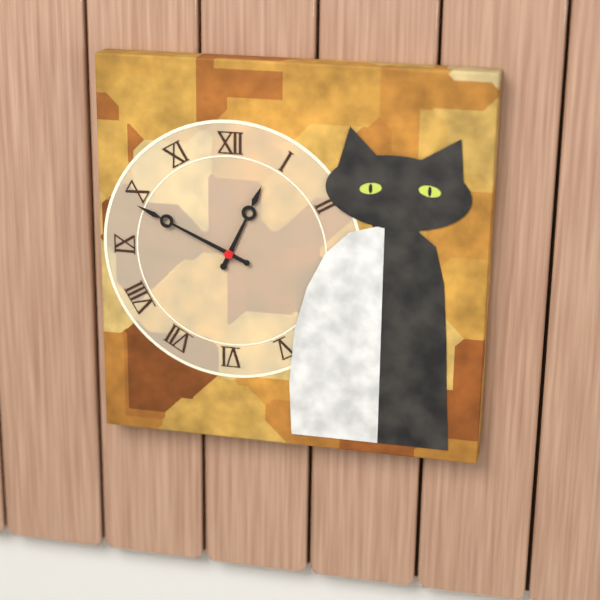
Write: h=12 m=49
